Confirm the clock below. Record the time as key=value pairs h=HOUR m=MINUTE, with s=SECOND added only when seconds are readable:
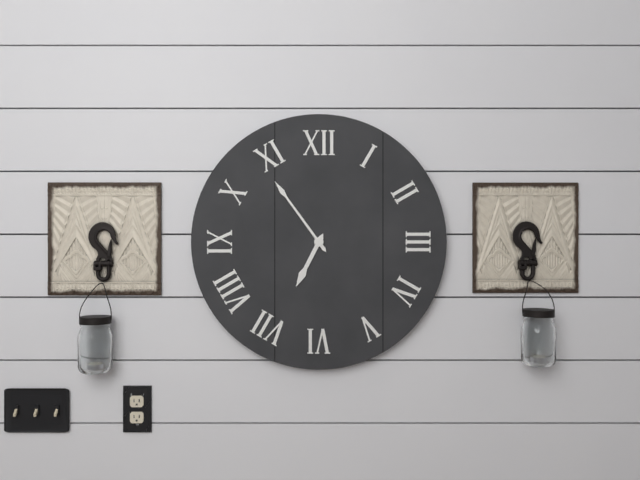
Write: h=6 m=54
